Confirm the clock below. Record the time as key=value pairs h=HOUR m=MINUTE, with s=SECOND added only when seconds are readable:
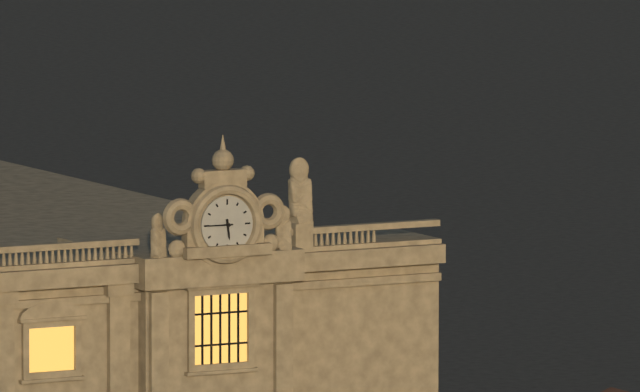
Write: h=5 m=45
